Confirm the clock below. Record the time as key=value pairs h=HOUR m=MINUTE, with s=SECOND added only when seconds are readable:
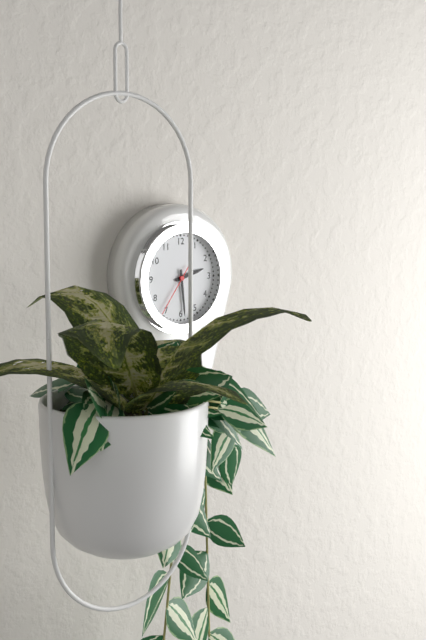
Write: h=2 m=29 s=36
